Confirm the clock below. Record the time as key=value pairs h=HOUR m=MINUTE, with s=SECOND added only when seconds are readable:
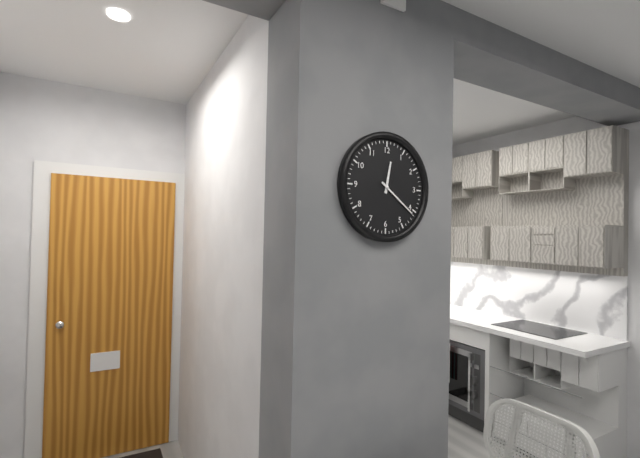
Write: h=12 m=21
